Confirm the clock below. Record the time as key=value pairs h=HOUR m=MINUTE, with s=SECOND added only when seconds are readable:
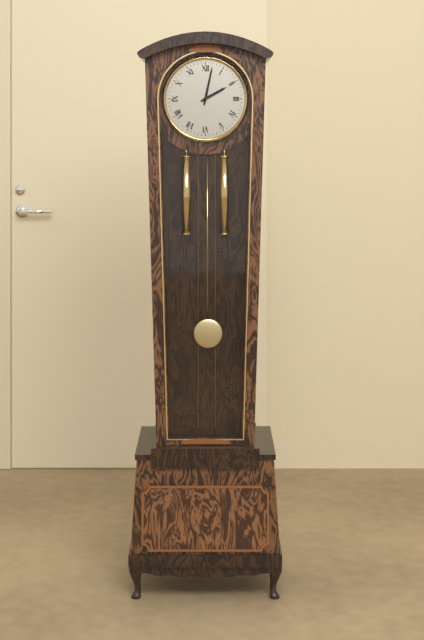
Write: h=2 m=2
